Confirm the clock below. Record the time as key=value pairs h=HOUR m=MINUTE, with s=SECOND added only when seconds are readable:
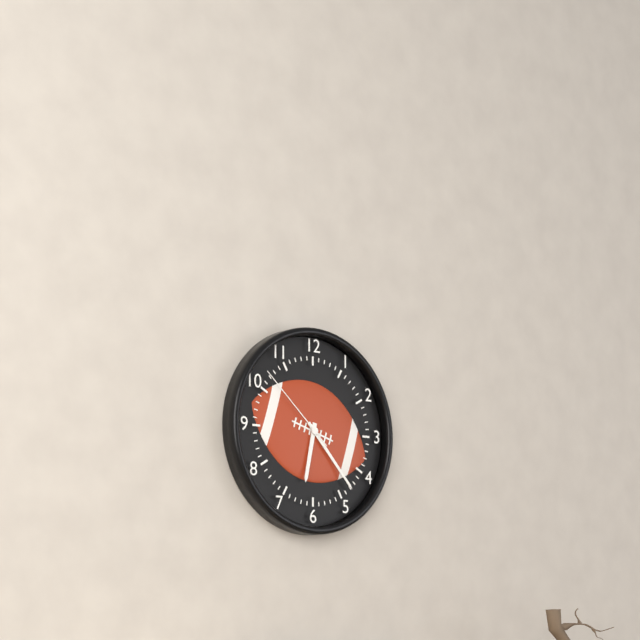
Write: h=6 m=23 s=52
